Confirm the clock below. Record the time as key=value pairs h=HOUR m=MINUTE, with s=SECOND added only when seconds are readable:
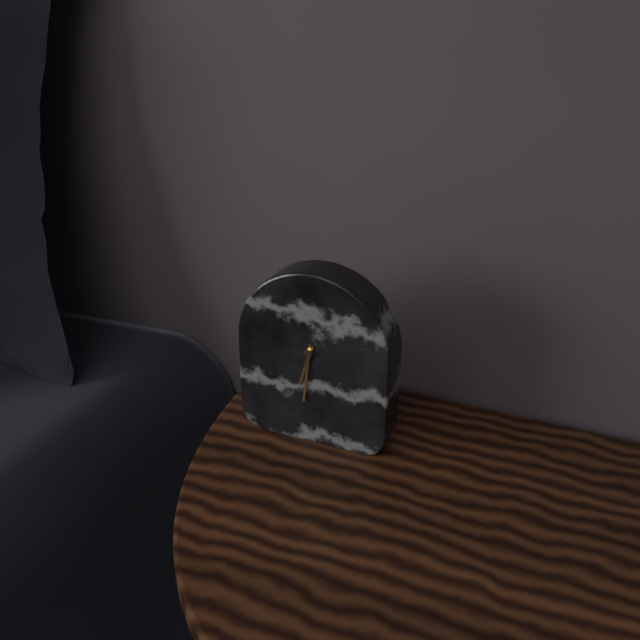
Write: h=6 m=31
